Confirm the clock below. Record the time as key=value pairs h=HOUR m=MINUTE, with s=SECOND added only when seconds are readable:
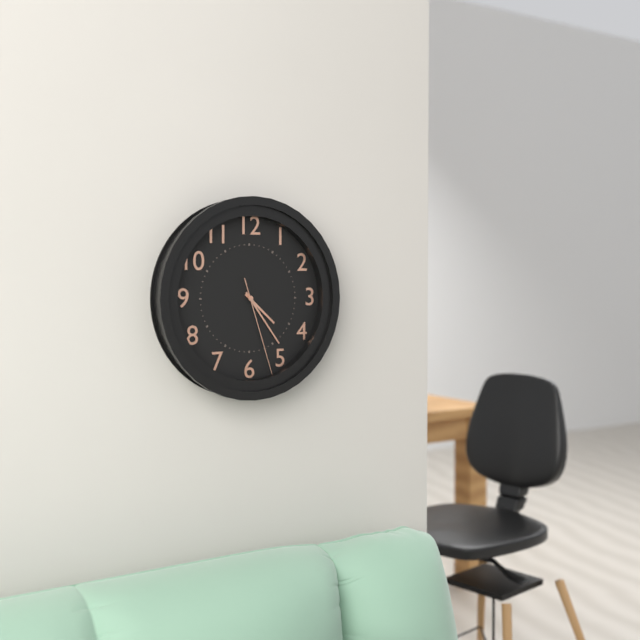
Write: h=4 m=24 s=27
